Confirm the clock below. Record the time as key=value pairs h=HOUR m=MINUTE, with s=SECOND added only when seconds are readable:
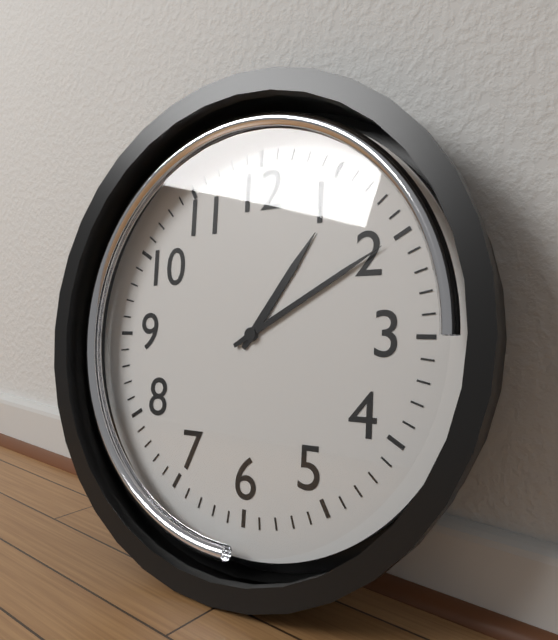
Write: h=1 m=10
